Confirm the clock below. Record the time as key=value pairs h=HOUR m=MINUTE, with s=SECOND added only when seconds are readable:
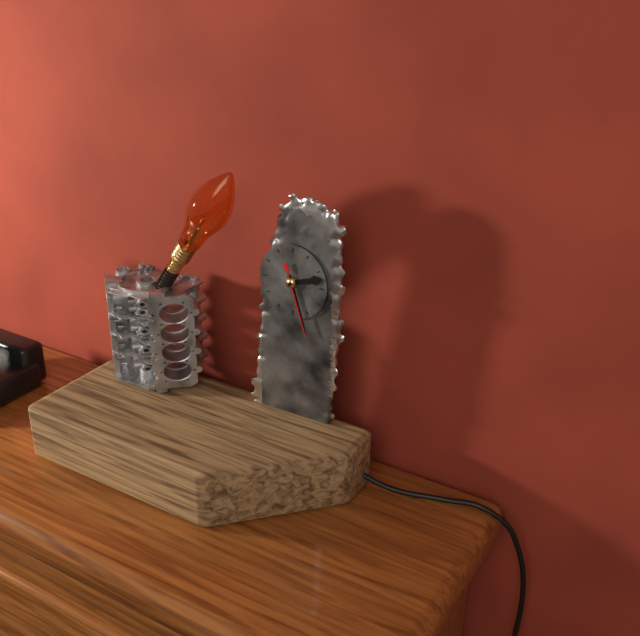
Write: h=2 m=27 s=27
